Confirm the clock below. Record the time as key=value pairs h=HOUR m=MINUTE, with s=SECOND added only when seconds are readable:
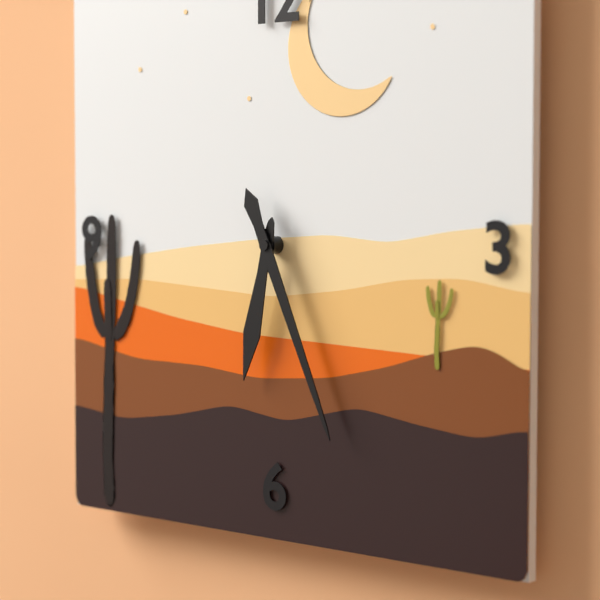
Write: h=6 m=26
